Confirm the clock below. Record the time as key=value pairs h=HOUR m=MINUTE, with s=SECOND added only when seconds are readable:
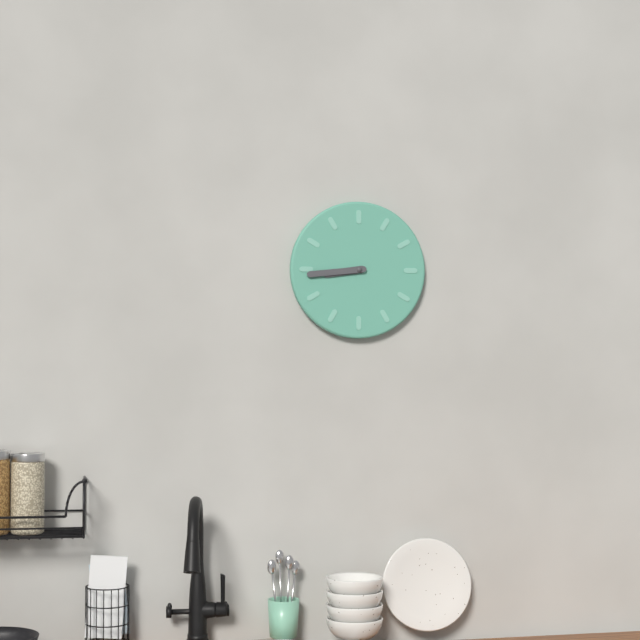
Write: h=8 m=44
